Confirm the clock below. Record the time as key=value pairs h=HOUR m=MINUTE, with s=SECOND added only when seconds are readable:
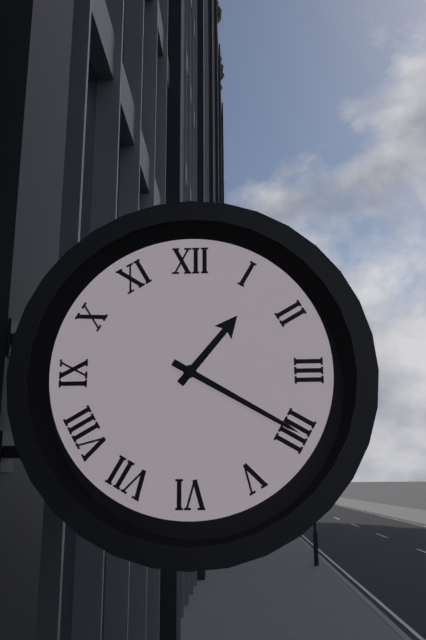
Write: h=1 m=20
